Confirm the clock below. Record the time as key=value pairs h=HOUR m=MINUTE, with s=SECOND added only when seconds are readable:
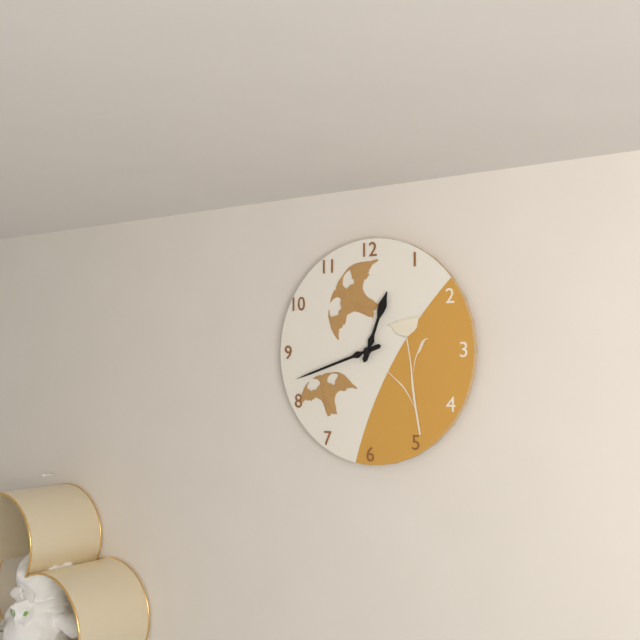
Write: h=12 m=42
